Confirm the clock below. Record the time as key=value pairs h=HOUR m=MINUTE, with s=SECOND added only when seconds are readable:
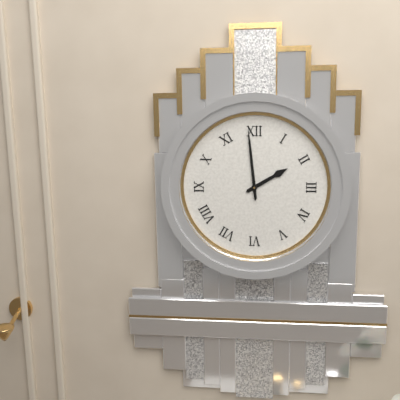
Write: h=1 m=59
